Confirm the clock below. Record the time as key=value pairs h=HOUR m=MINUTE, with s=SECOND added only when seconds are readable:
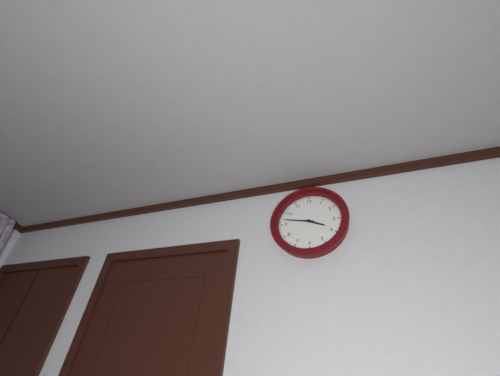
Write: h=3 m=47
